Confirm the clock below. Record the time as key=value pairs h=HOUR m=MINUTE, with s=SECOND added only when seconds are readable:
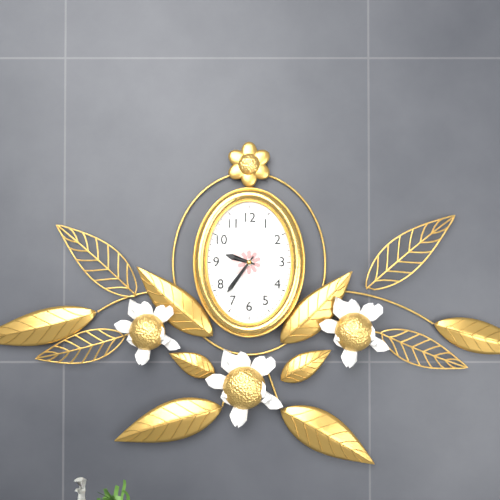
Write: h=9 m=36
